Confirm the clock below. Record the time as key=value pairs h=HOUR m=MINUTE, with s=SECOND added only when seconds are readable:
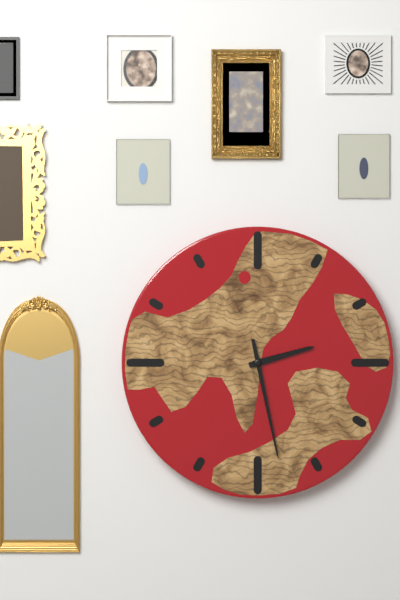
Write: h=2 m=28
